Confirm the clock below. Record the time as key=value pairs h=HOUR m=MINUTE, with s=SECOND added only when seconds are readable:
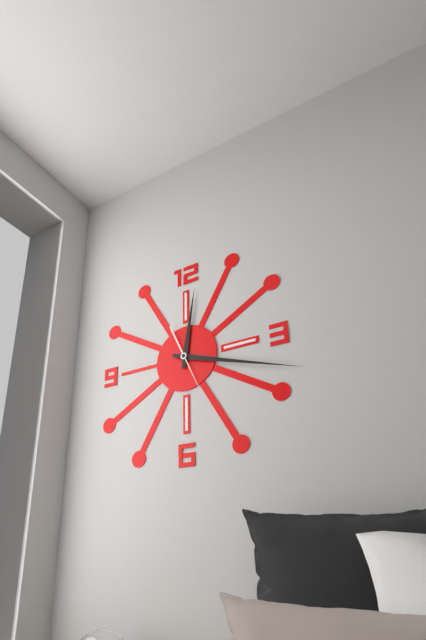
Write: h=12 m=18 s=26
